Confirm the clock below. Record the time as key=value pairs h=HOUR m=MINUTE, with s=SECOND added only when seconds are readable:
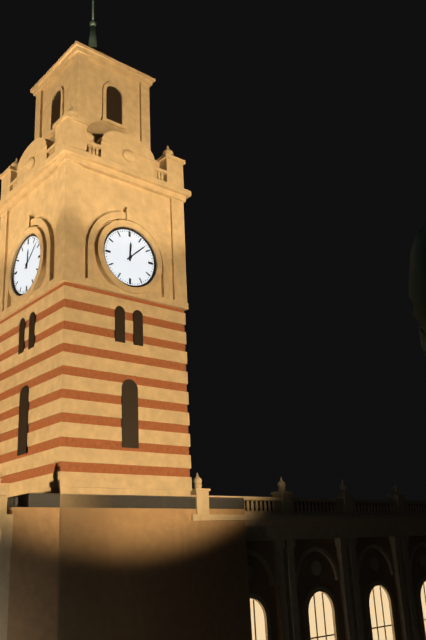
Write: h=12 m=8
